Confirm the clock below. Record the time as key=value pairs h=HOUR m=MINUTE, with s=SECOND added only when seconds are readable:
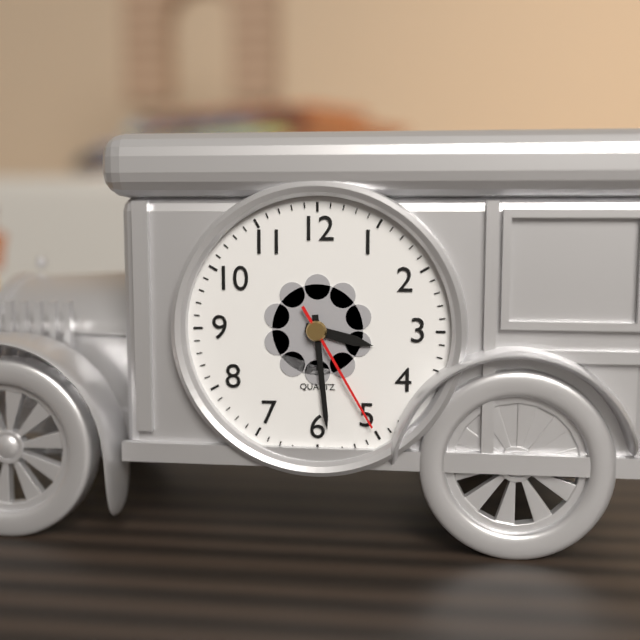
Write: h=3 m=29 s=25
